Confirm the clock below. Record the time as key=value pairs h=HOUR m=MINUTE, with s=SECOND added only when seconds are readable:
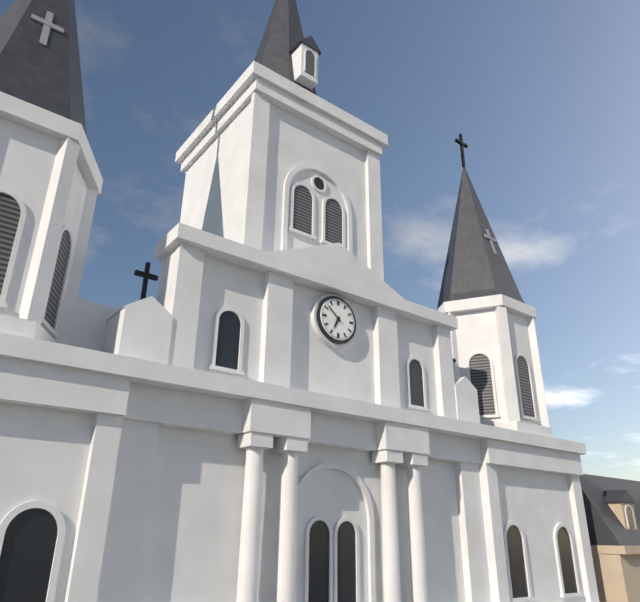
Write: h=6 m=52
